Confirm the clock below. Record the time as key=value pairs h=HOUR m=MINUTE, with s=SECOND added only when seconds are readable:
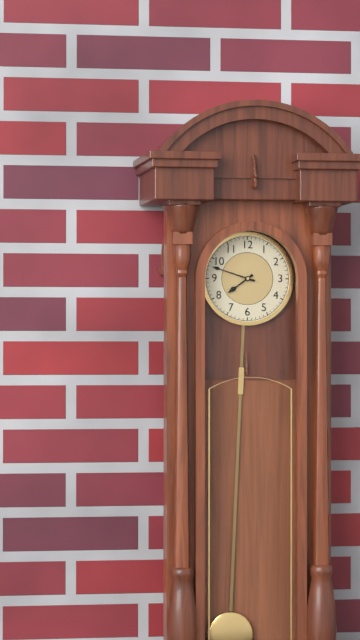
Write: h=7 m=48
